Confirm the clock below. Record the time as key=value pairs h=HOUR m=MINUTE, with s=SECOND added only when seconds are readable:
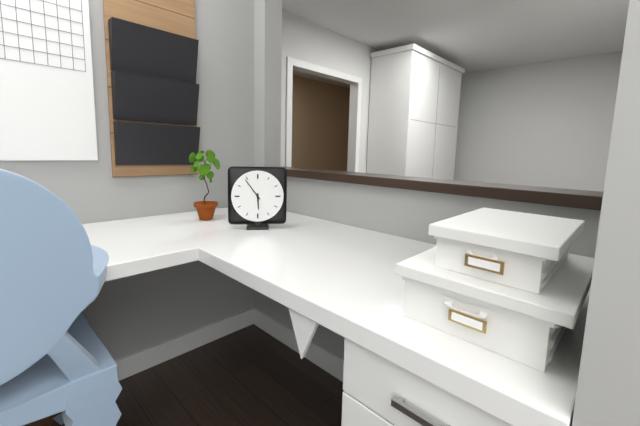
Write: h=5 m=54
